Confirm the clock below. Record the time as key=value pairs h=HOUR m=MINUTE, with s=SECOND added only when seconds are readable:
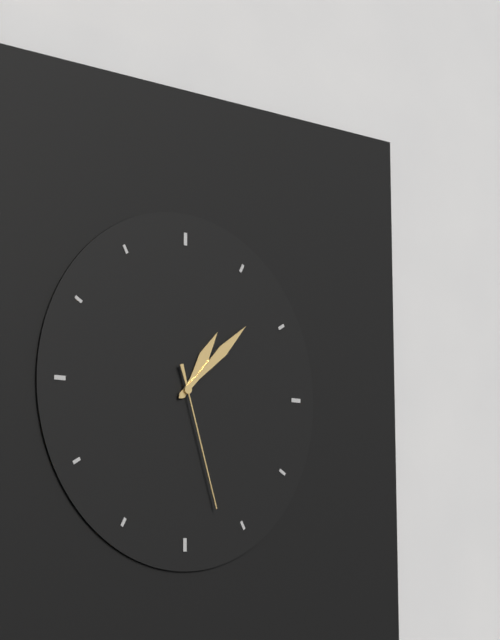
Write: h=1 m=8 s=27
